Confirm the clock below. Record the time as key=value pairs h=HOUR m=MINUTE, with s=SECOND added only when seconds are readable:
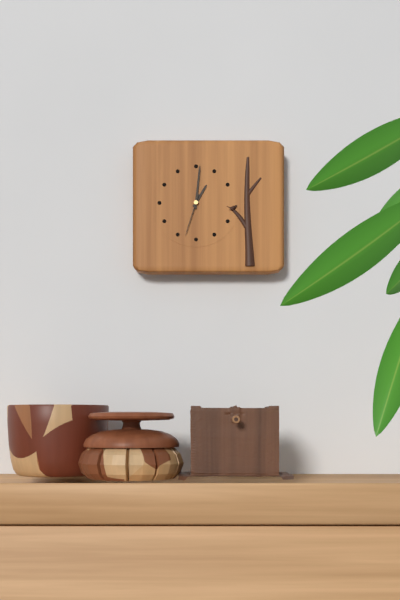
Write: h=1 m=1
